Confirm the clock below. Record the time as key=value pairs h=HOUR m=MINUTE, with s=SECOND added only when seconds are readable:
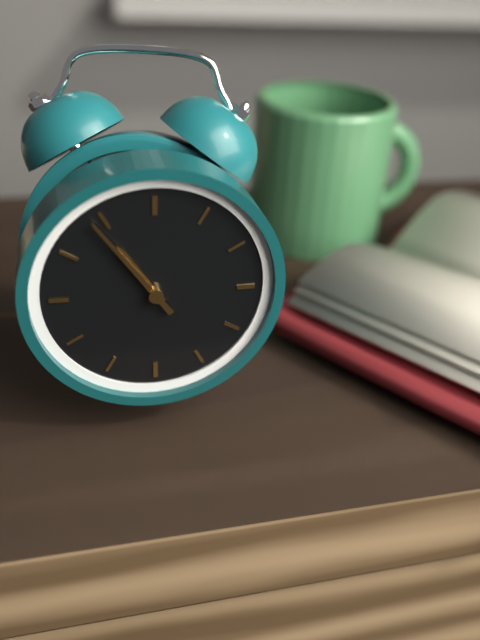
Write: h=10 m=54
